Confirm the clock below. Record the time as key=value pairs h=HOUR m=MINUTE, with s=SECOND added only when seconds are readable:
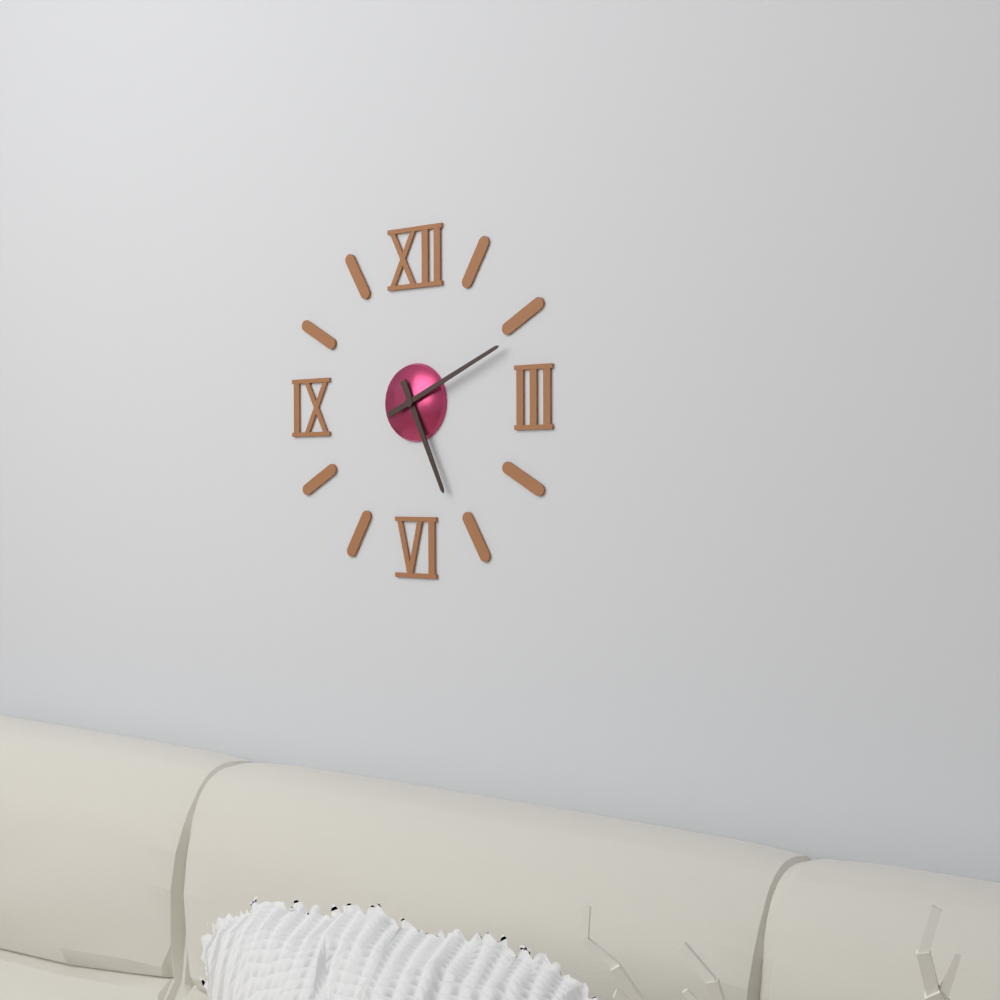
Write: h=5 m=11
